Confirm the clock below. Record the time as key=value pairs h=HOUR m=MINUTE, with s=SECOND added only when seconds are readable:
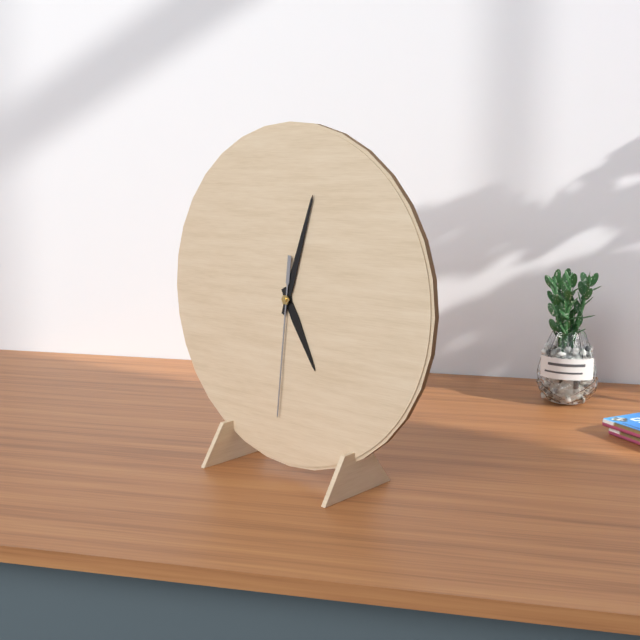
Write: h=5 m=3 s=31
